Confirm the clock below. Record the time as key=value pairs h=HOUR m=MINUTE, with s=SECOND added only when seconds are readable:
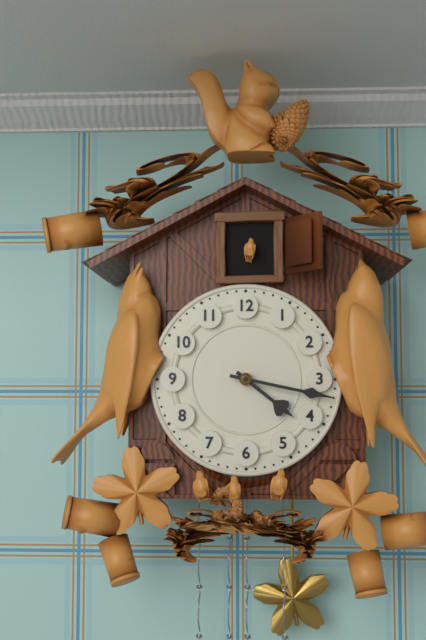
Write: h=4 m=17
